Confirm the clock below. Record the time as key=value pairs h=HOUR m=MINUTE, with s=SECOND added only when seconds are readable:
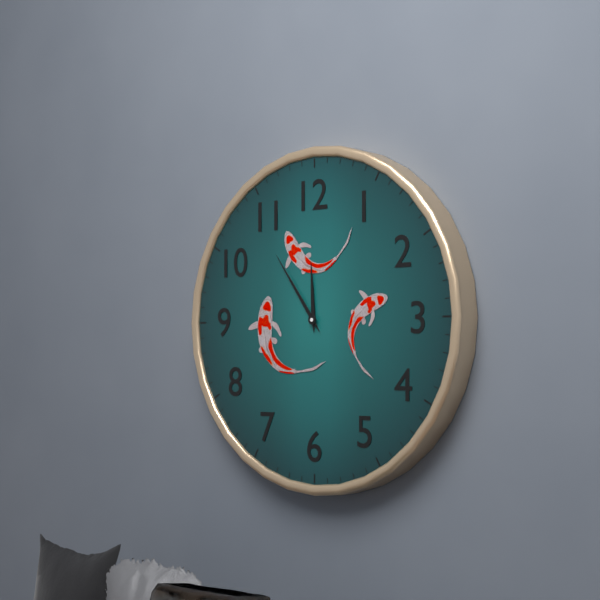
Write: h=11 m=54
